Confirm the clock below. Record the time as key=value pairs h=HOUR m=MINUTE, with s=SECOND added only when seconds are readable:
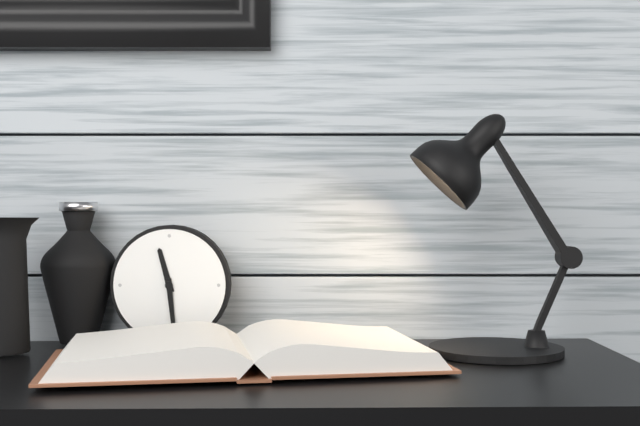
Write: h=11 m=29
